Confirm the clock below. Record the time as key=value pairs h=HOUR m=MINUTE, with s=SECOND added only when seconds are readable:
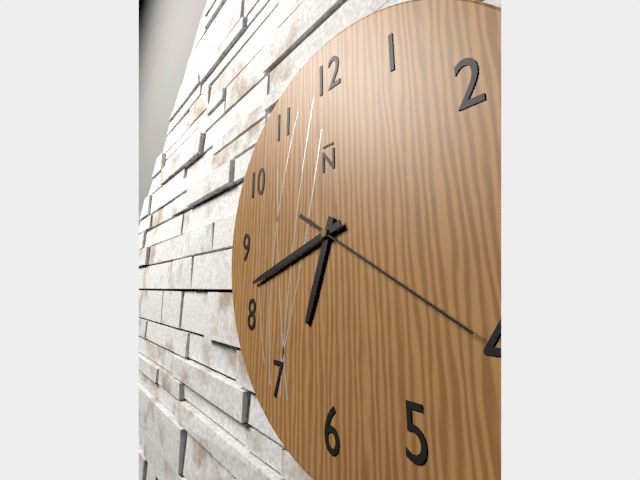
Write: h=6 m=42 s=20
